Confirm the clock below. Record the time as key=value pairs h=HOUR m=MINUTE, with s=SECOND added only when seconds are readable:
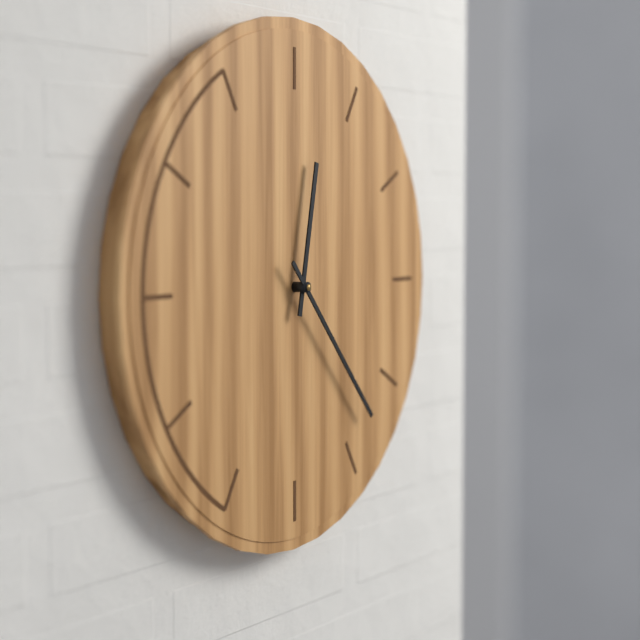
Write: h=12 m=23
